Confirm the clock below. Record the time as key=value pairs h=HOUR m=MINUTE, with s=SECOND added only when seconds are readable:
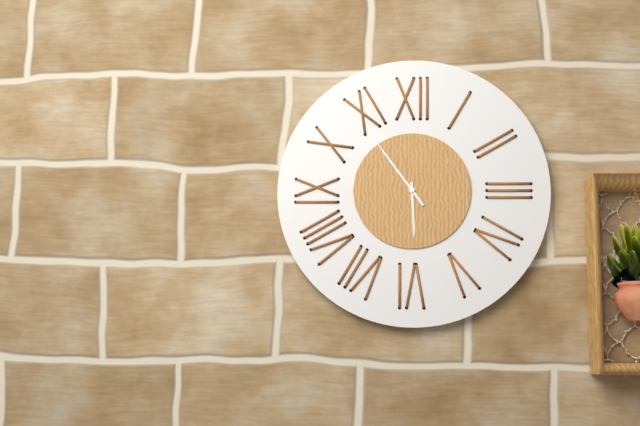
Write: h=5 m=54
